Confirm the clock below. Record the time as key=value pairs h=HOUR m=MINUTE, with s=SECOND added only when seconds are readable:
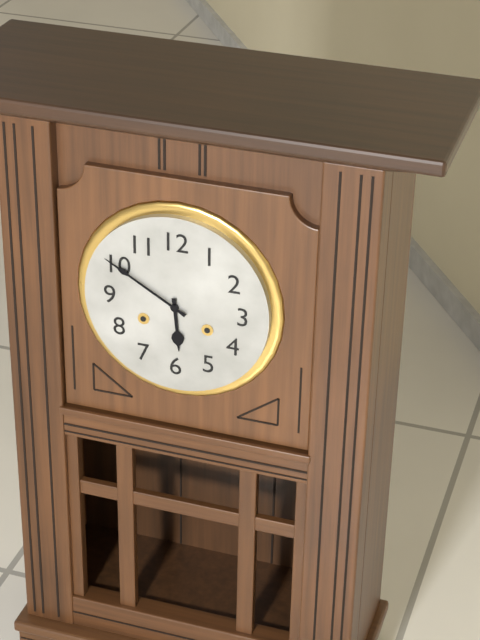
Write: h=5 m=50
